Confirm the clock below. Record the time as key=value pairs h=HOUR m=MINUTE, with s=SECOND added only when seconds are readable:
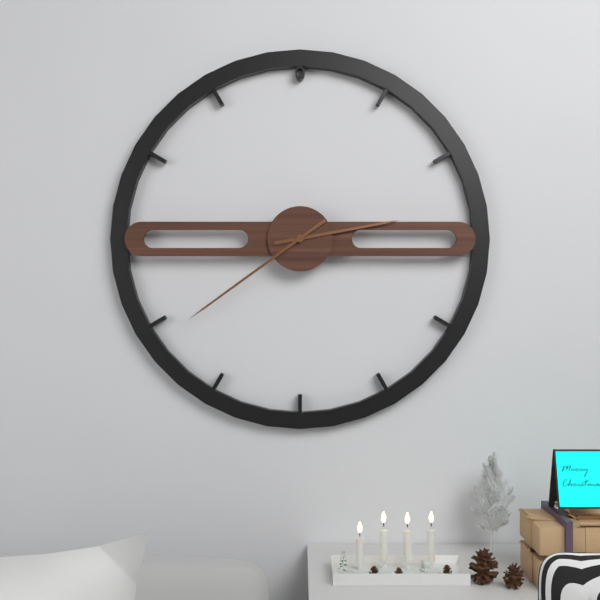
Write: h=2 m=39
